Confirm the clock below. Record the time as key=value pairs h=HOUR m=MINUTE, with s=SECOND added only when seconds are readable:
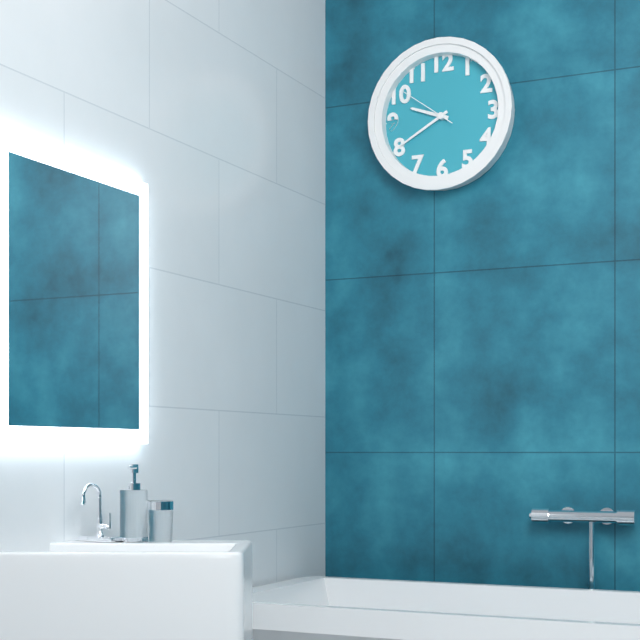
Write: h=9 m=40 s=51
